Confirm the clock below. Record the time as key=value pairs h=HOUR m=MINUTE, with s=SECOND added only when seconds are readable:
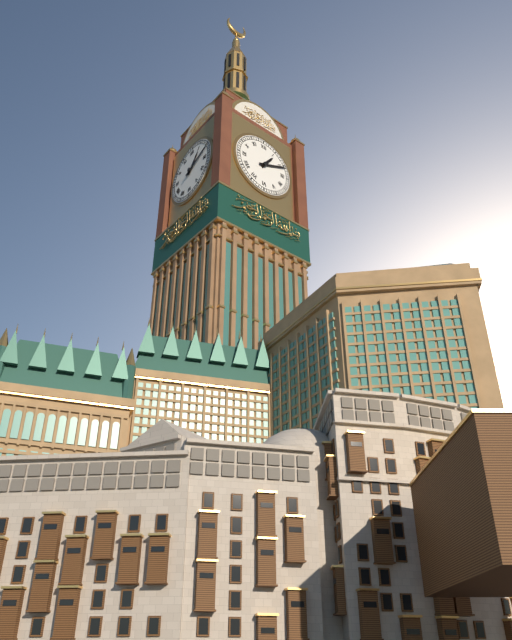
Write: h=1 m=11
